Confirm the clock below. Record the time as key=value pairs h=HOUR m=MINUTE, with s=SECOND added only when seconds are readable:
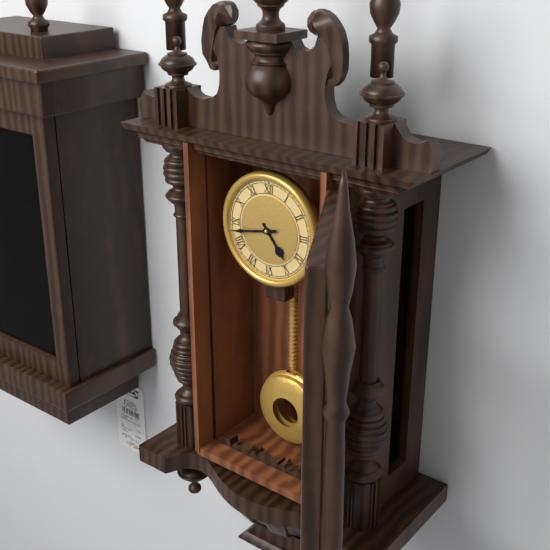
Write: h=4 m=43
